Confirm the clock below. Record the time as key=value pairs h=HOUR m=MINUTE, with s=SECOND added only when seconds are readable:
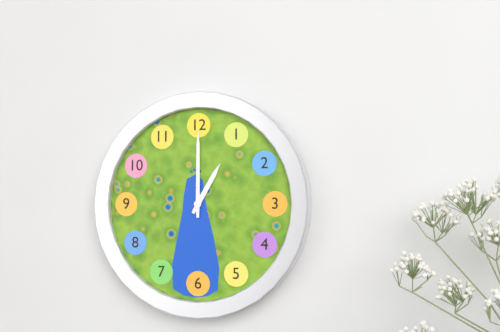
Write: h=1 m=0
